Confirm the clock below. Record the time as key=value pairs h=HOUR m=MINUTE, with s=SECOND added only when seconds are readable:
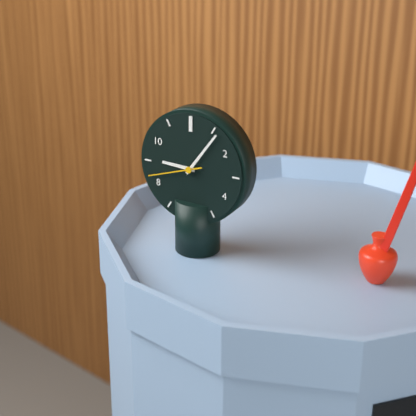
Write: h=9 m=6 s=42
